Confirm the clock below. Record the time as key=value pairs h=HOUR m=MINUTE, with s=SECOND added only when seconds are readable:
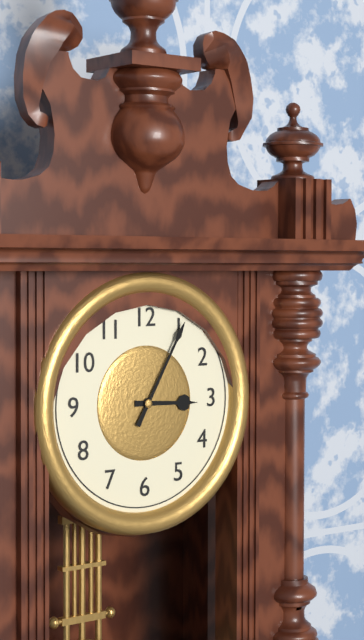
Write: h=3 m=5
